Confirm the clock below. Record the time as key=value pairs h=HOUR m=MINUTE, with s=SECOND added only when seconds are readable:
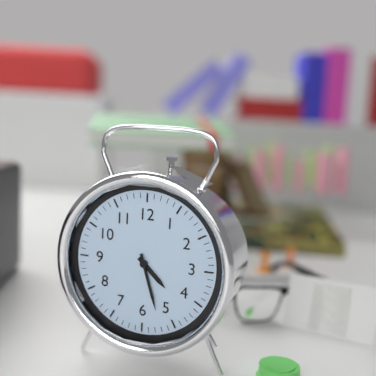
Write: h=4 m=27
